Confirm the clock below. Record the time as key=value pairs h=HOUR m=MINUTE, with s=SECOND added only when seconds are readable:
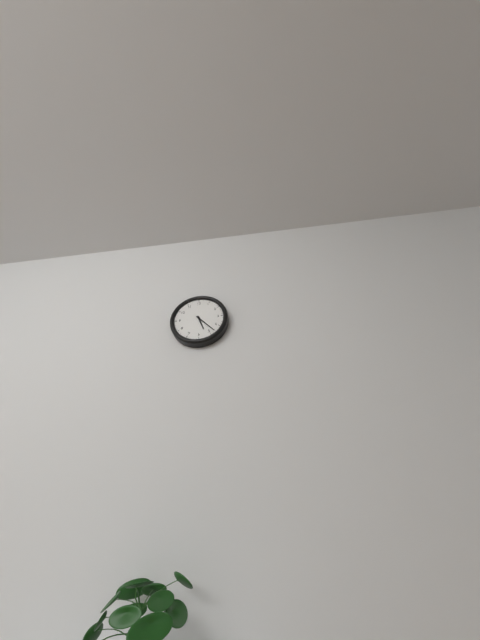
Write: h=5 m=23
